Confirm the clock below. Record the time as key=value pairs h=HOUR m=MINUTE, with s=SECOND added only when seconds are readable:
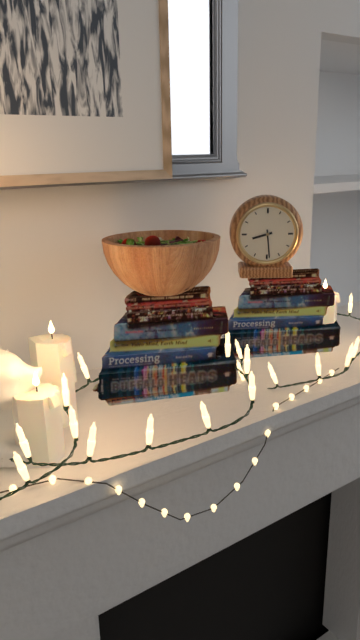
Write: h=8 m=29
